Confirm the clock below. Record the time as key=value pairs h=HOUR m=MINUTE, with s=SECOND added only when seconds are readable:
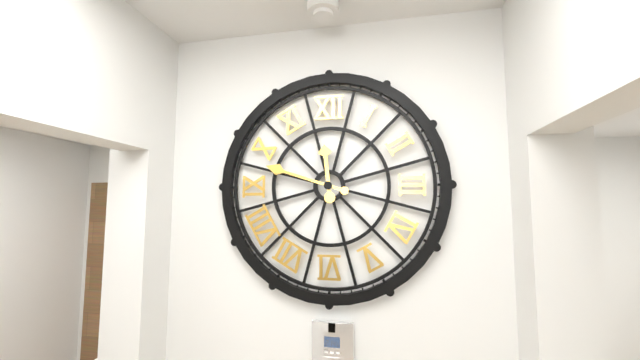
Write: h=11 m=48
